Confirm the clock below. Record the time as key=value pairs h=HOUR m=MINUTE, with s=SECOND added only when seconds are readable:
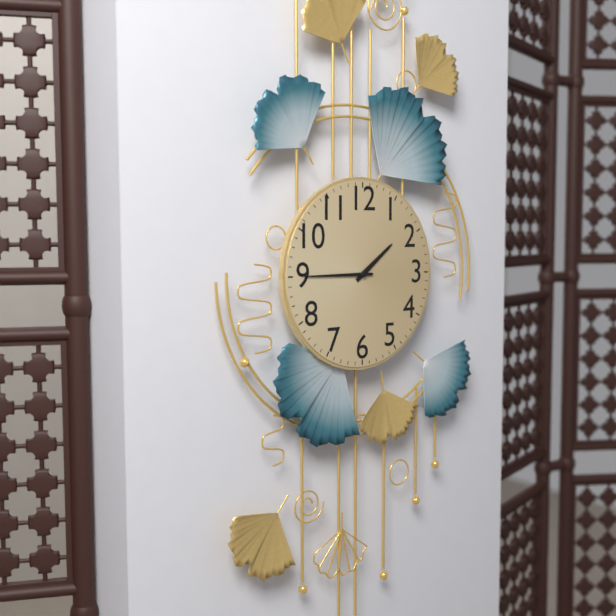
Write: h=1 m=45
